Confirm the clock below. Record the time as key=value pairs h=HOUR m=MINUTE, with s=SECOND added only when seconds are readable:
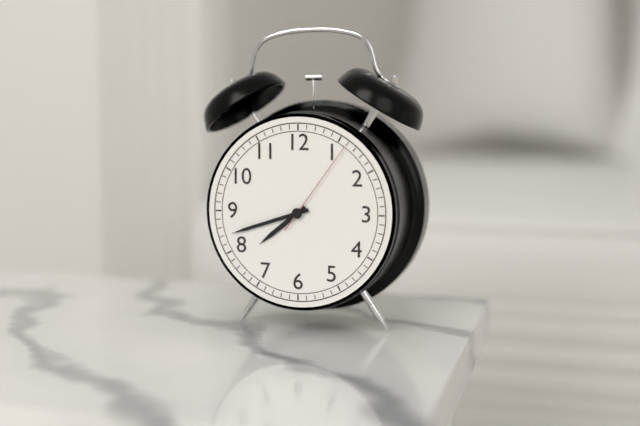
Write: h=7 m=42 s=6
